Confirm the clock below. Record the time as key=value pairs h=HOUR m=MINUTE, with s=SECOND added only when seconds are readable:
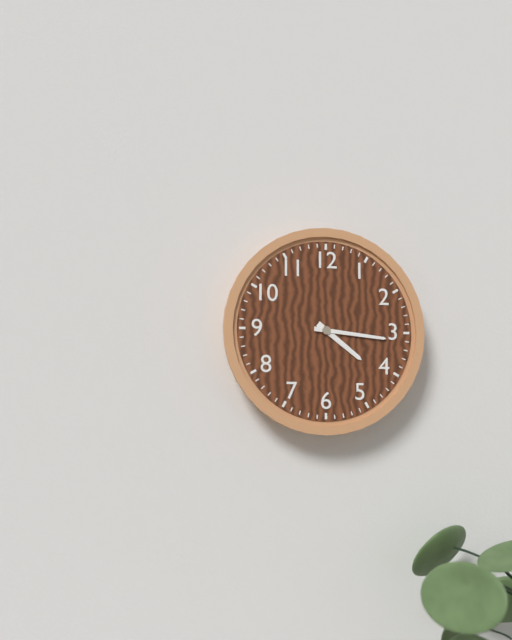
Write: h=4 m=16
